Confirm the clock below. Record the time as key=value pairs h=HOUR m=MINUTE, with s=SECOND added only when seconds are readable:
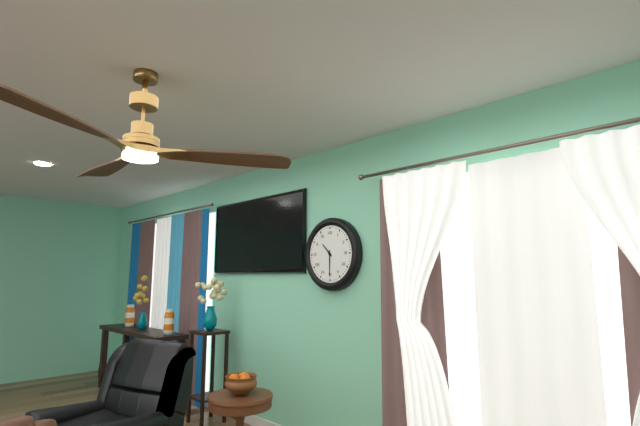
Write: h=10 m=30
